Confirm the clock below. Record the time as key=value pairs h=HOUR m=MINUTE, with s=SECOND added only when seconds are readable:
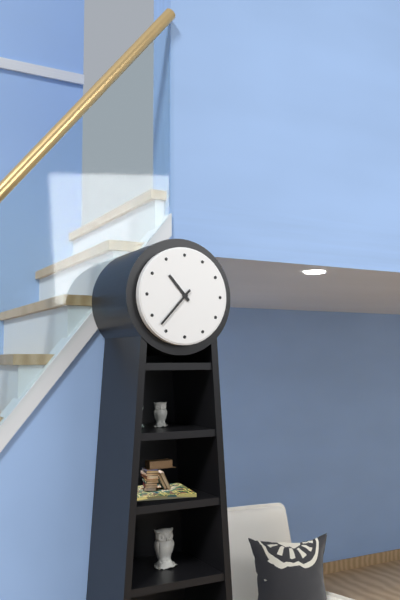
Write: h=10 m=37
